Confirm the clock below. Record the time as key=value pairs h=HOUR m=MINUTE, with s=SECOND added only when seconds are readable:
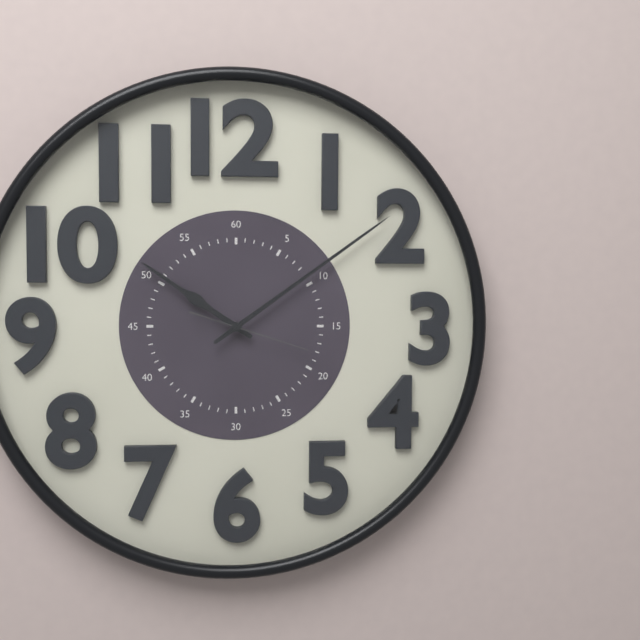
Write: h=10 m=9 s=18
